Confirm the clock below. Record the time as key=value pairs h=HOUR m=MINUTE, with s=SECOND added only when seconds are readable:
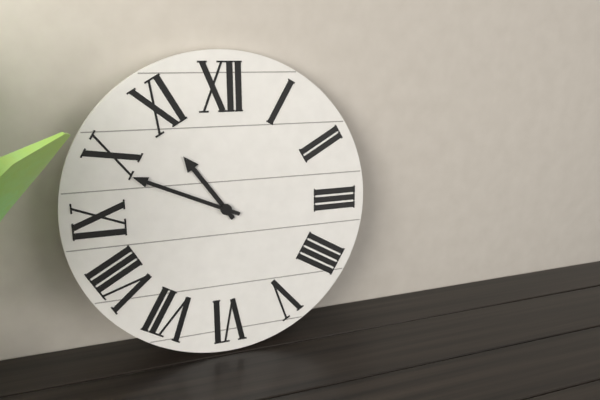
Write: h=10 m=49
